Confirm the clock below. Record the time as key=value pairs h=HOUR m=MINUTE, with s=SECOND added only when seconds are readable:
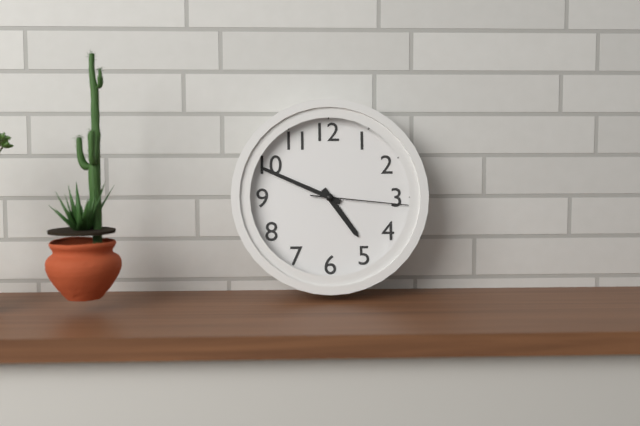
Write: h=4 m=49 s=16
